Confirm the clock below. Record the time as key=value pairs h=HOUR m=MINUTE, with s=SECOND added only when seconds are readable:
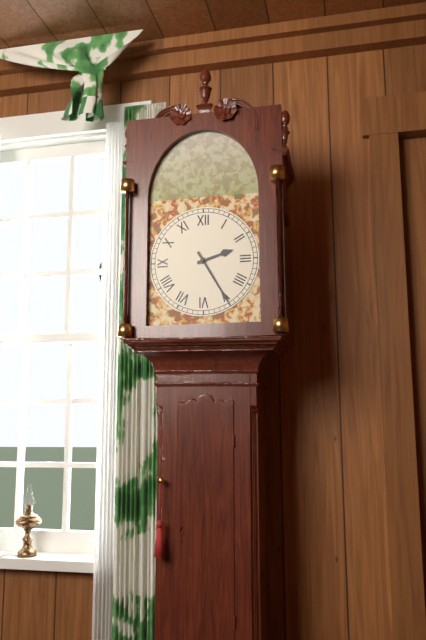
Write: h=2 m=25
